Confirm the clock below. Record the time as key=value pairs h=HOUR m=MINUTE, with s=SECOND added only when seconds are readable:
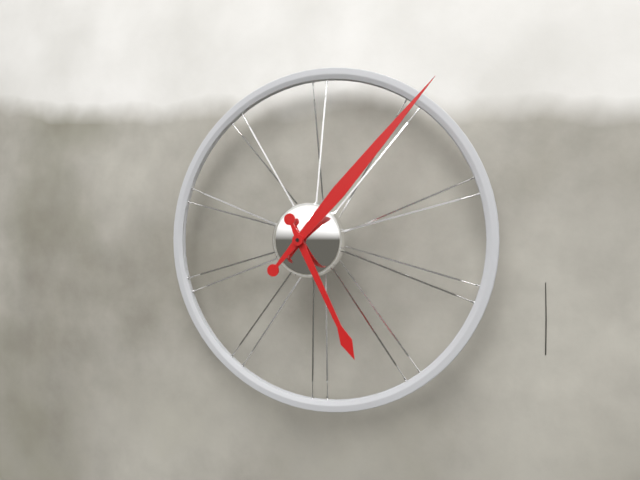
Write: h=5 m=7
